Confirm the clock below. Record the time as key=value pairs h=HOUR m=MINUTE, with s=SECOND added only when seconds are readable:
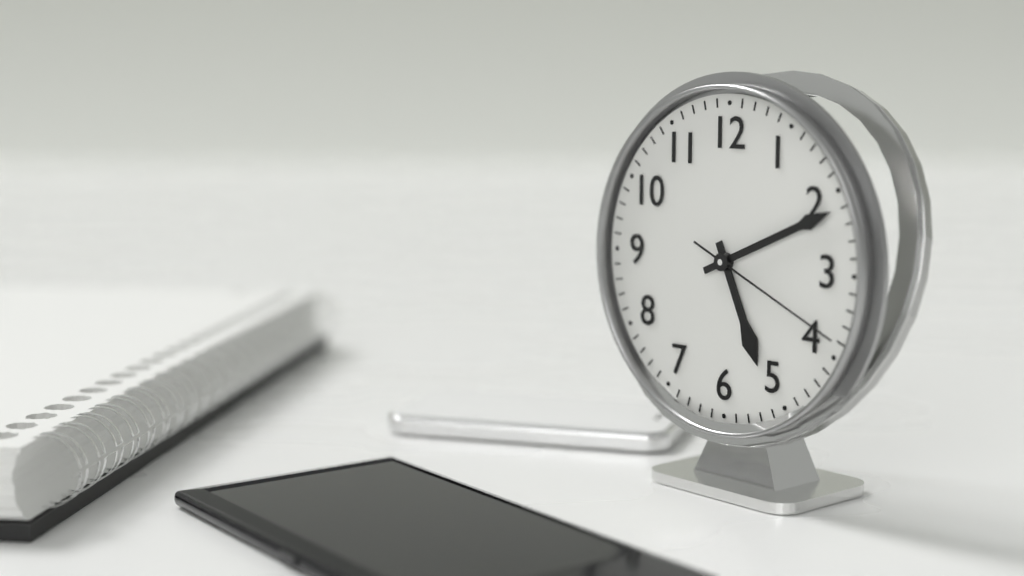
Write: h=5 m=11 s=19
